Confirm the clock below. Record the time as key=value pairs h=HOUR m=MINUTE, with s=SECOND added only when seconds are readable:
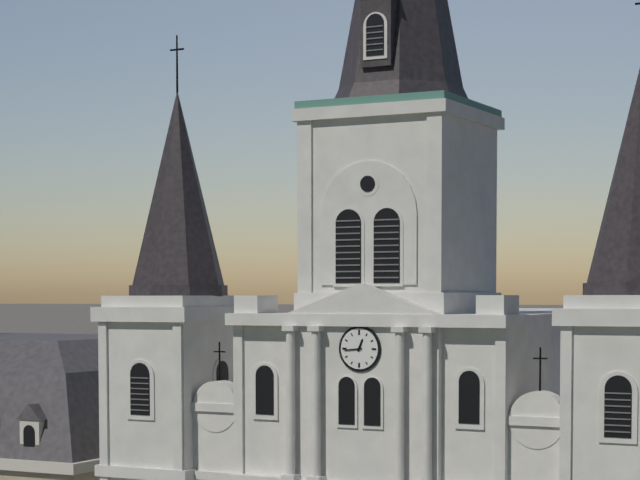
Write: h=12 m=44
